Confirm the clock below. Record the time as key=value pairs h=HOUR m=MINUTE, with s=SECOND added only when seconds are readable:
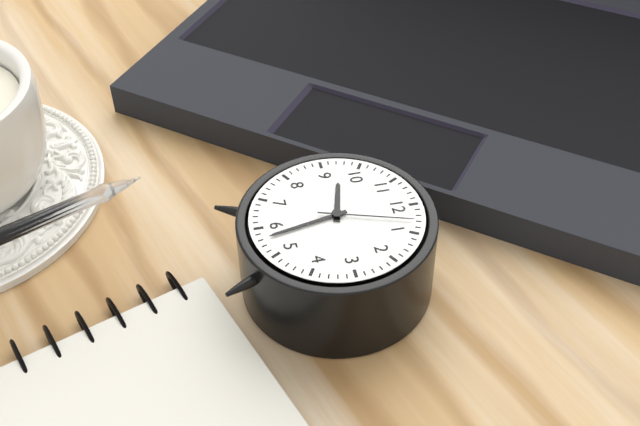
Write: h=9 m=28 s=3
